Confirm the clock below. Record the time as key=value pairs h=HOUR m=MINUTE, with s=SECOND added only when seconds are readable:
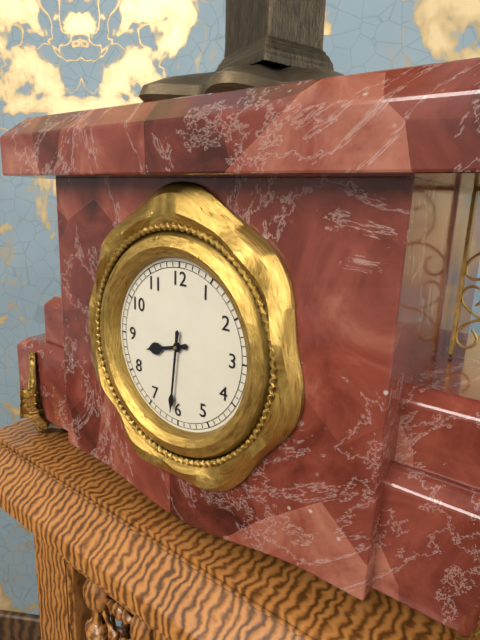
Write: h=8 m=31
